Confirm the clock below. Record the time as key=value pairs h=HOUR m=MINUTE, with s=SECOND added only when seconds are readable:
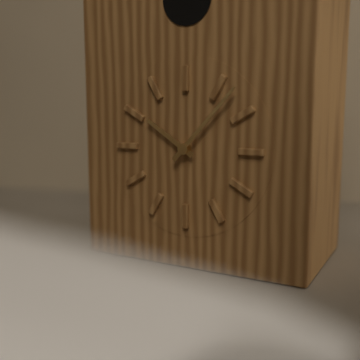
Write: h=10 m=7
